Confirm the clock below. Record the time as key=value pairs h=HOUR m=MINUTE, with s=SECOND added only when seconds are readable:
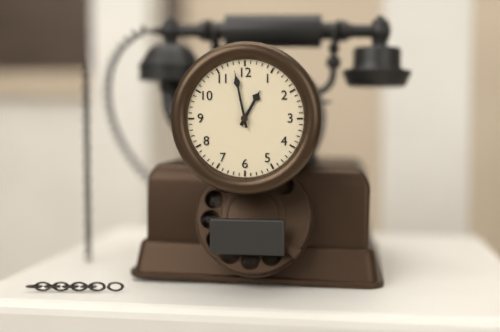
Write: h=12 m=58
